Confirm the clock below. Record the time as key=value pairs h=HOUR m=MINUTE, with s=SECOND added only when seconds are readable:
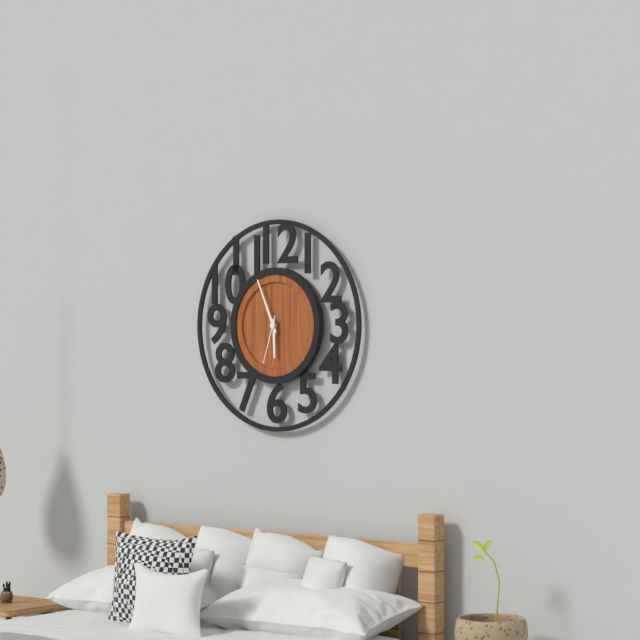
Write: h=5 m=56
